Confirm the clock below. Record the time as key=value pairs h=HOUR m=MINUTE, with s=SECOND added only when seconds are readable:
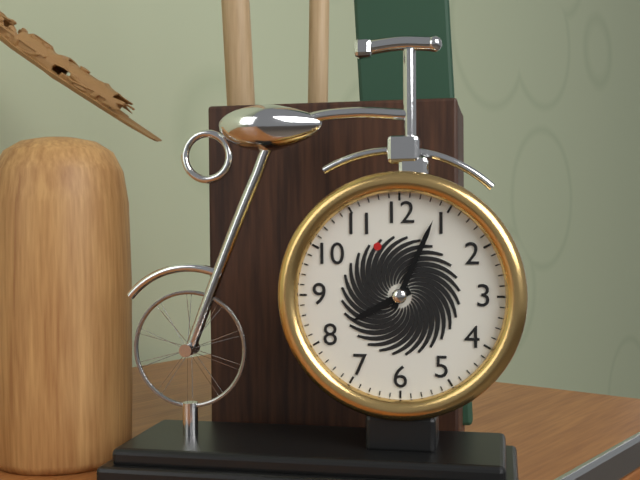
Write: h=8 m=4
